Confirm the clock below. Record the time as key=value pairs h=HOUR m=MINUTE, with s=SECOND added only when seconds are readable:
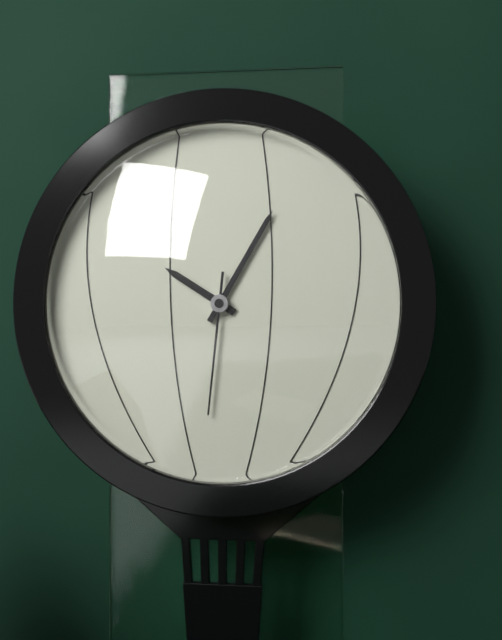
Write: h=10 m=5 s=31
